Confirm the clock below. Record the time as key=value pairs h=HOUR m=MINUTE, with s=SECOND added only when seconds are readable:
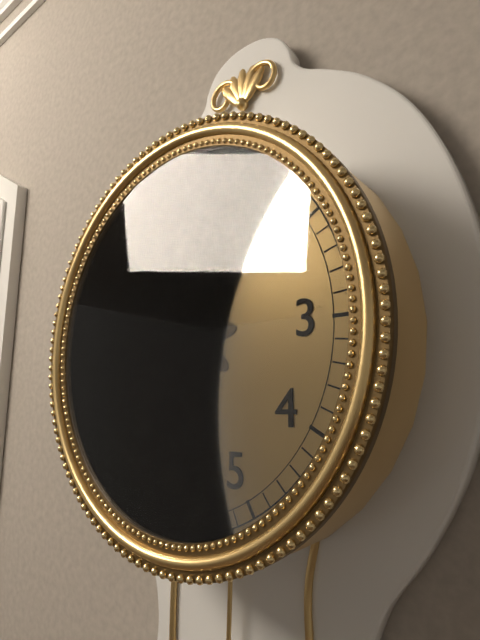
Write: h=9 m=48
